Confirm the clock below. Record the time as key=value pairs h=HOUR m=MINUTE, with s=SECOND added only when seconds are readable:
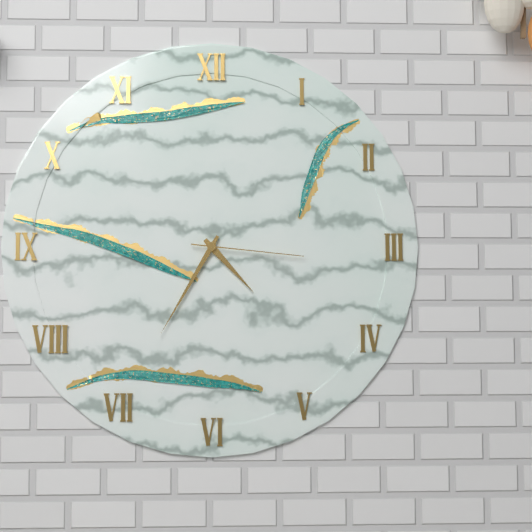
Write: h=4 m=35 s=16
